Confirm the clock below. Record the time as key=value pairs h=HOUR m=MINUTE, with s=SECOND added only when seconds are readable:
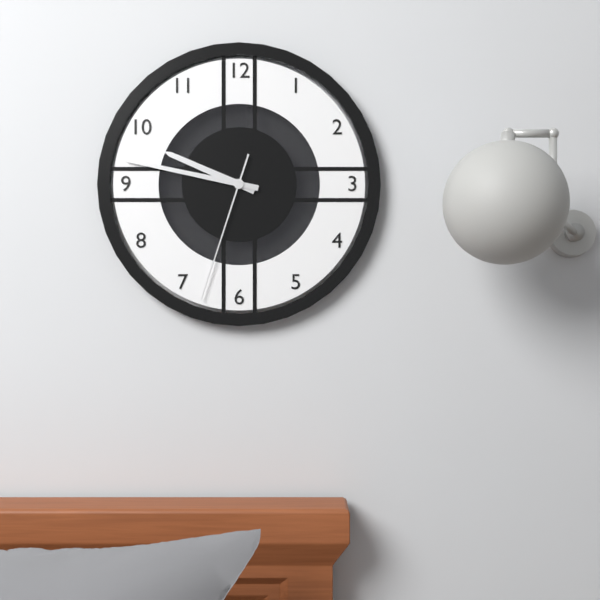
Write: h=9 m=47 s=33
